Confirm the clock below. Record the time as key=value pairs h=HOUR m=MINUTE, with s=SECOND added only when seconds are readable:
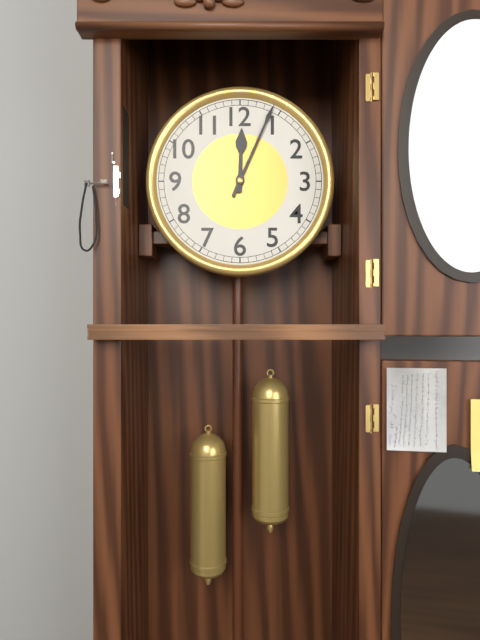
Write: h=12 m=4
